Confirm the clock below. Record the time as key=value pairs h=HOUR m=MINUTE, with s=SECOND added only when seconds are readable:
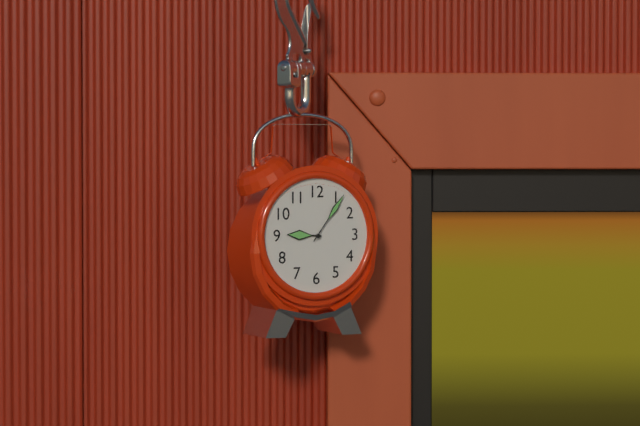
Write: h=9 m=6
